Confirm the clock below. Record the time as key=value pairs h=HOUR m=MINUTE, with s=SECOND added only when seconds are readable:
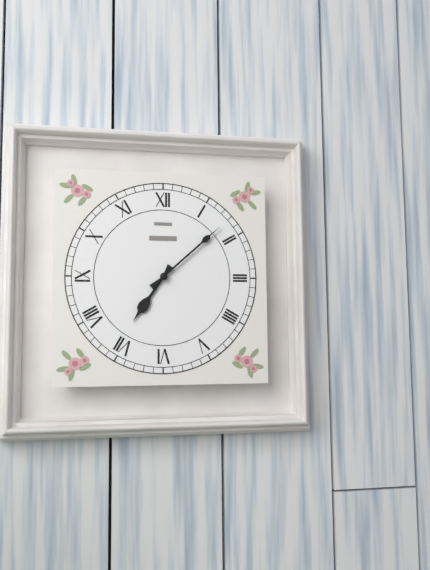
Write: h=7 m=8
